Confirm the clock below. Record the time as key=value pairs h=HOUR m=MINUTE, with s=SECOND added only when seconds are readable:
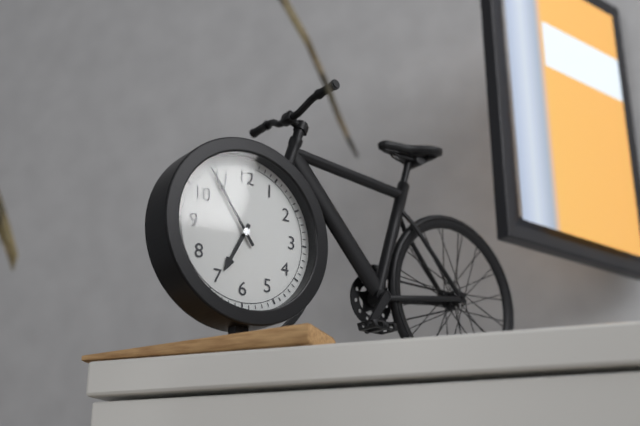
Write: h=6 m=54
